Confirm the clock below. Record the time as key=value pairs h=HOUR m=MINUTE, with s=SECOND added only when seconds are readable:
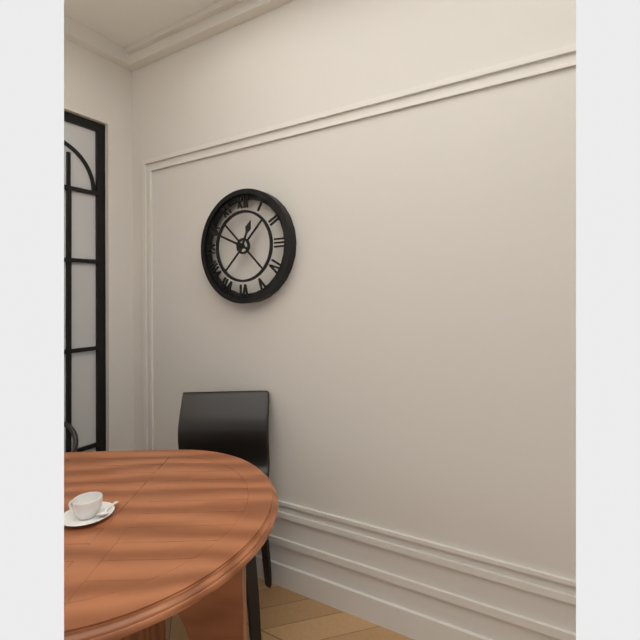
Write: h=12 m=49
